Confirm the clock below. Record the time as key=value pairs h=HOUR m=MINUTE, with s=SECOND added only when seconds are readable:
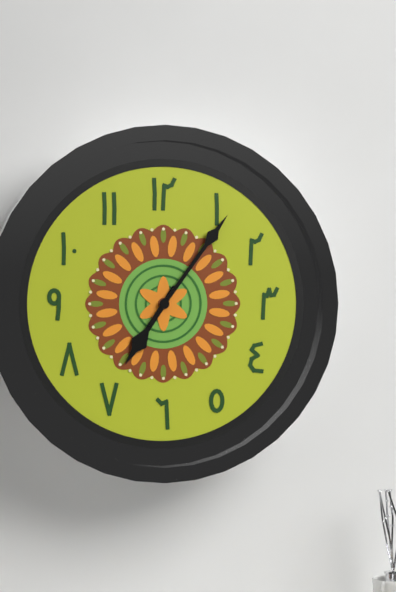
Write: h=7 m=6
